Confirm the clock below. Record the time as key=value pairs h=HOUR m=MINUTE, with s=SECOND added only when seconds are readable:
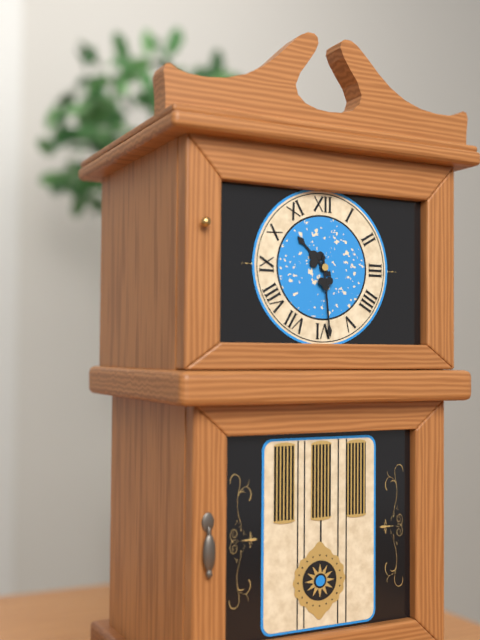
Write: h=10 m=29
